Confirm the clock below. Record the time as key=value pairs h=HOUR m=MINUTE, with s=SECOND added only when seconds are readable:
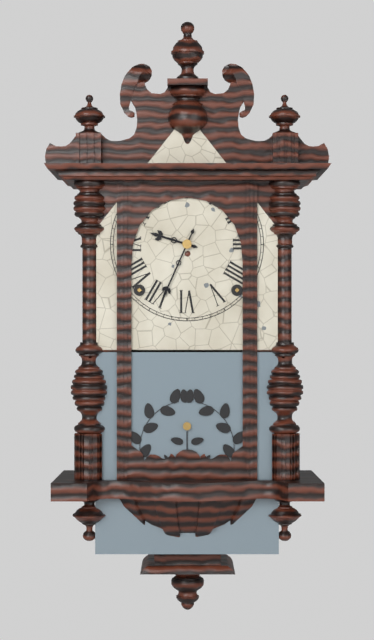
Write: h=9 m=34
